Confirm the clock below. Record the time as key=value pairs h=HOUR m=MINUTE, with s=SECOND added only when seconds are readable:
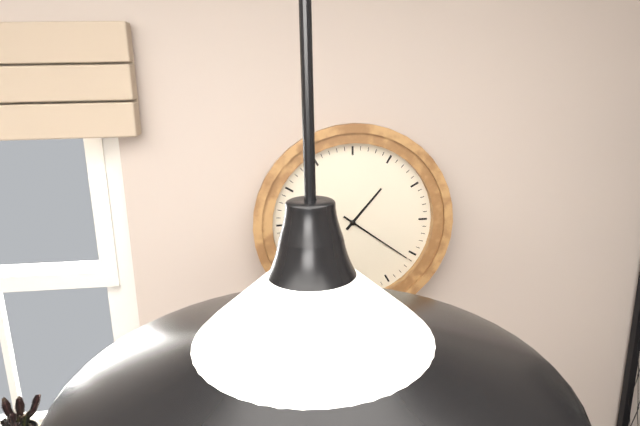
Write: h=1 m=21
